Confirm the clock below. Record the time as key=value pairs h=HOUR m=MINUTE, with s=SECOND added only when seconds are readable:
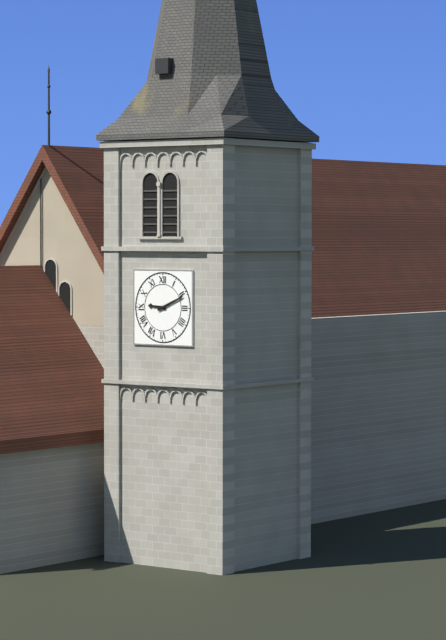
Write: h=9 m=11
